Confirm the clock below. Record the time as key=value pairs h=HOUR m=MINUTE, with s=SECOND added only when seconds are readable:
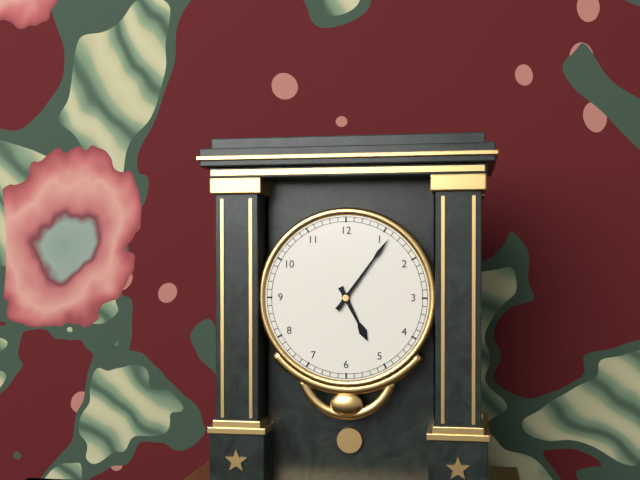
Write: h=5 m=6
